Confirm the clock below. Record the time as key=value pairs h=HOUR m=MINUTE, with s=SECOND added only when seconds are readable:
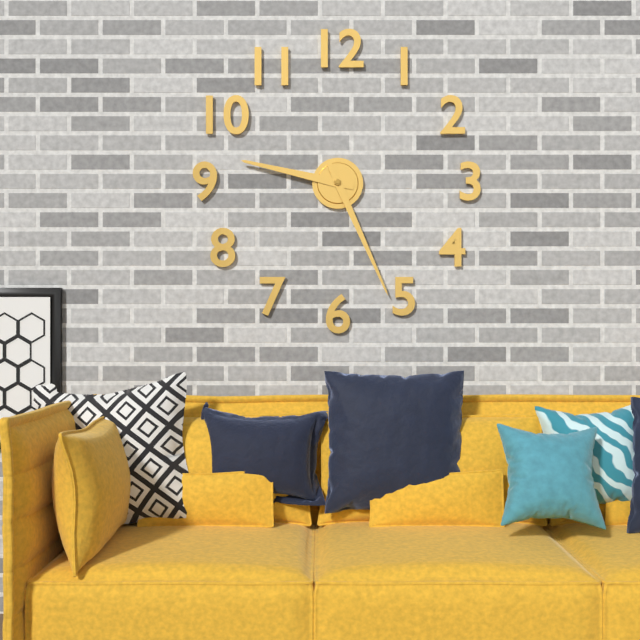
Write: h=9 m=26
